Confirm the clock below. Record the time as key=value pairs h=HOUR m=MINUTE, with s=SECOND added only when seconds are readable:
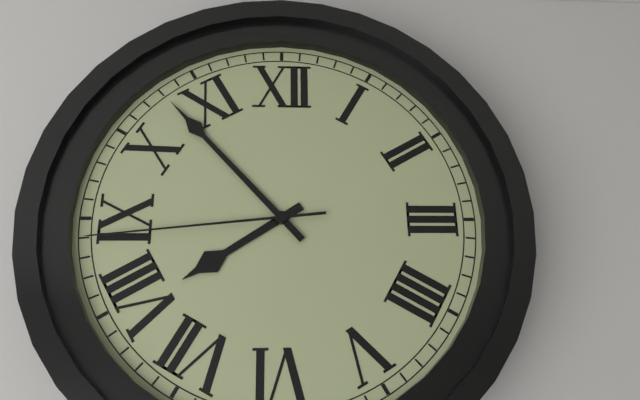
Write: h=7 m=53 s=44
